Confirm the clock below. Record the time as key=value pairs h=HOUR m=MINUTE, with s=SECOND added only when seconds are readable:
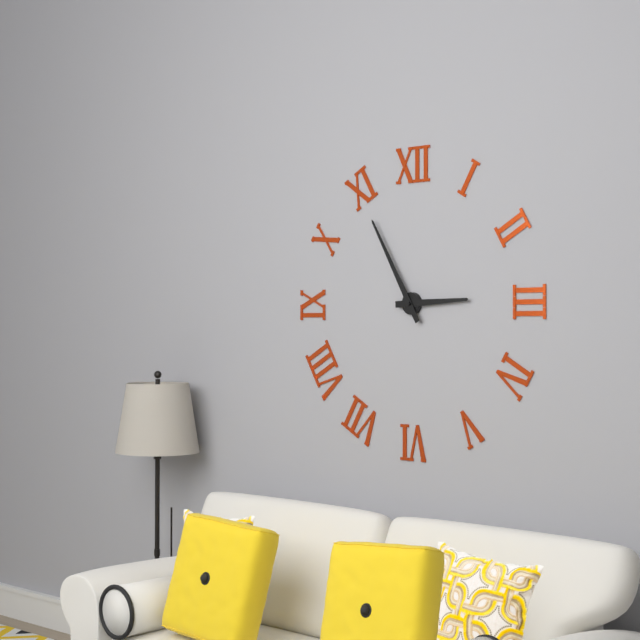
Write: h=2 m=55
